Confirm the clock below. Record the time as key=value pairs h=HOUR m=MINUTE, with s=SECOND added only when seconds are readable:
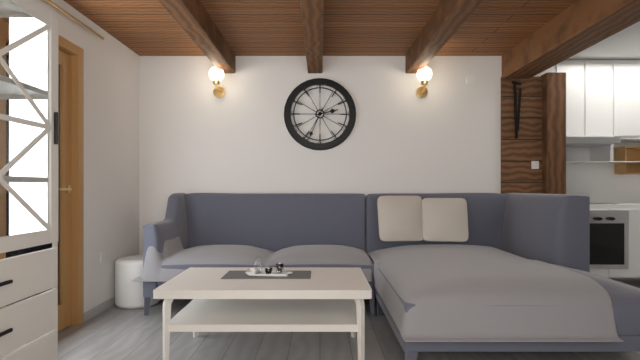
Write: h=2 m=34
